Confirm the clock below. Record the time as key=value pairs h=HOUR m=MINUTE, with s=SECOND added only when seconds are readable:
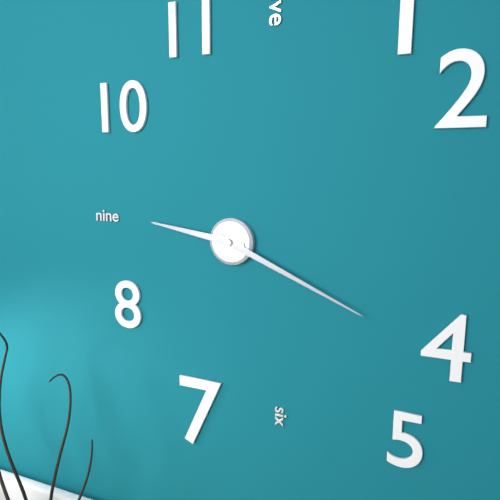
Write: h=9 m=19
